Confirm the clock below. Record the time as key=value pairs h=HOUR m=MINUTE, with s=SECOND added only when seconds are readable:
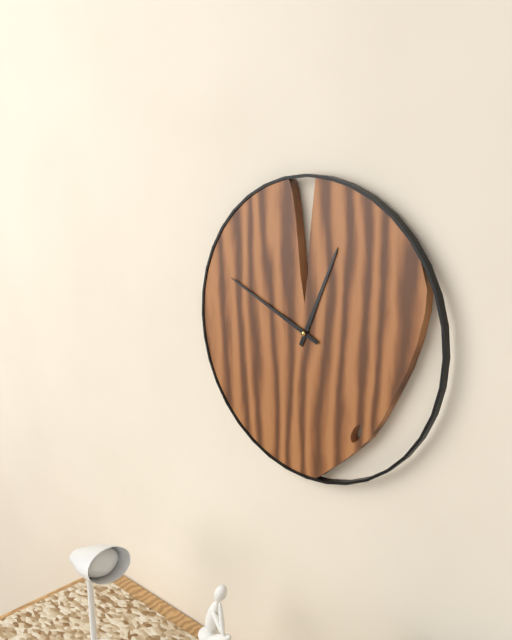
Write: h=12 m=49
